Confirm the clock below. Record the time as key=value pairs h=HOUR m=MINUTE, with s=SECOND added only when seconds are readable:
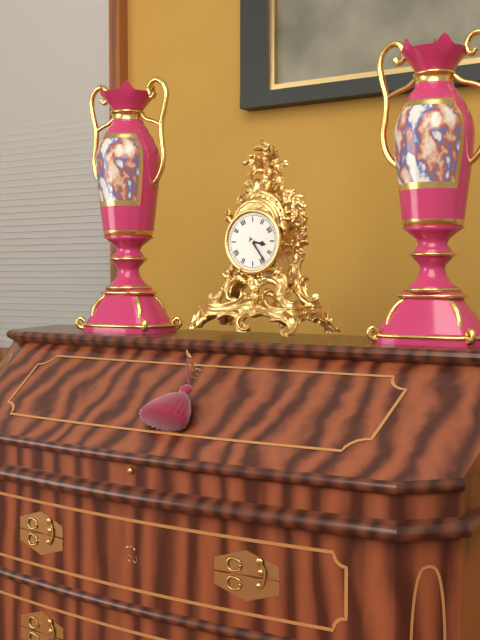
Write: h=3 m=24
